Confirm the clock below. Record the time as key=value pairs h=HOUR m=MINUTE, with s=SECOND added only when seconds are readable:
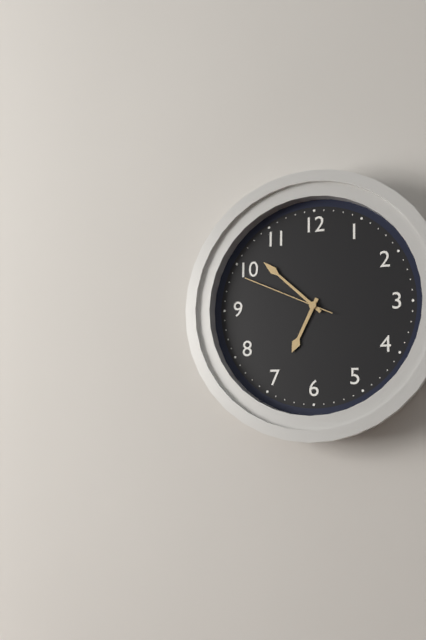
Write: h=6 m=52 s=49
